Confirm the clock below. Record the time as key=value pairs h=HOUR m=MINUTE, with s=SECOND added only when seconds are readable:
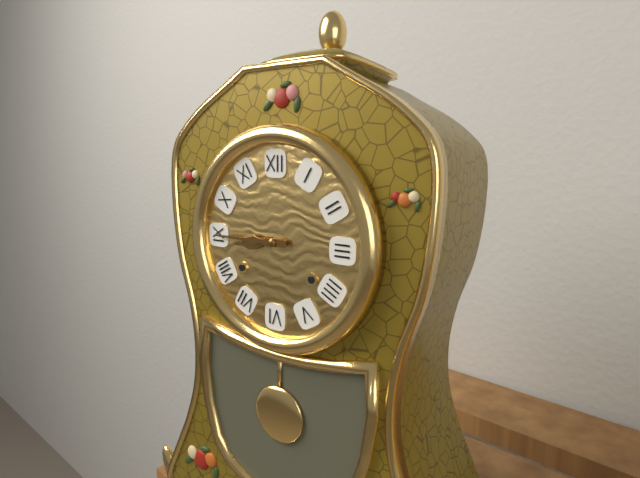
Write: h=8 m=45
